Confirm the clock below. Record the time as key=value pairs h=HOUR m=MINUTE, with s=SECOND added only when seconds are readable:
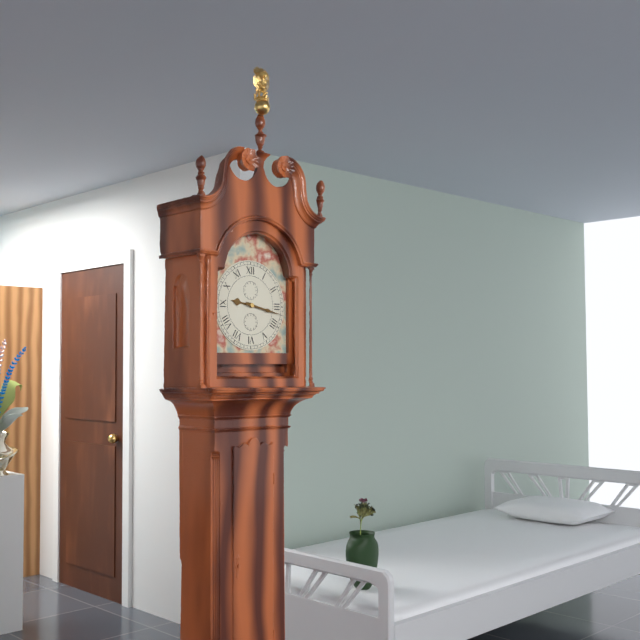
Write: h=9 m=17
